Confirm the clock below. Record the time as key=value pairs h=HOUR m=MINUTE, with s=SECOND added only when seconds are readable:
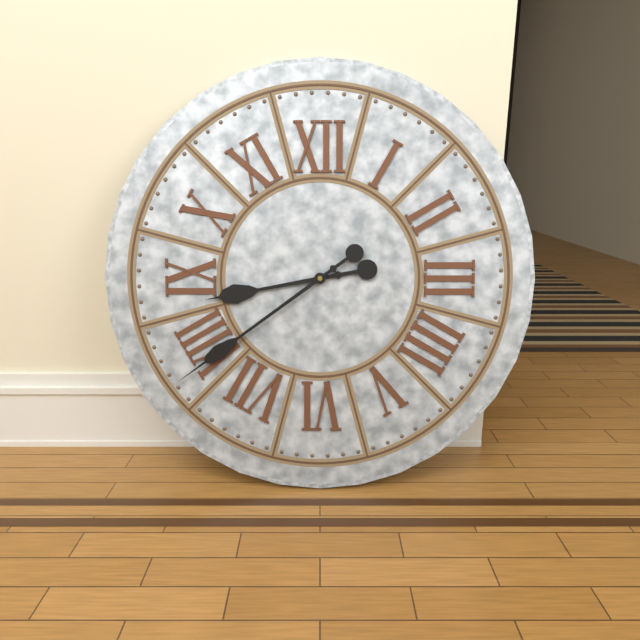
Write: h=8 m=39
